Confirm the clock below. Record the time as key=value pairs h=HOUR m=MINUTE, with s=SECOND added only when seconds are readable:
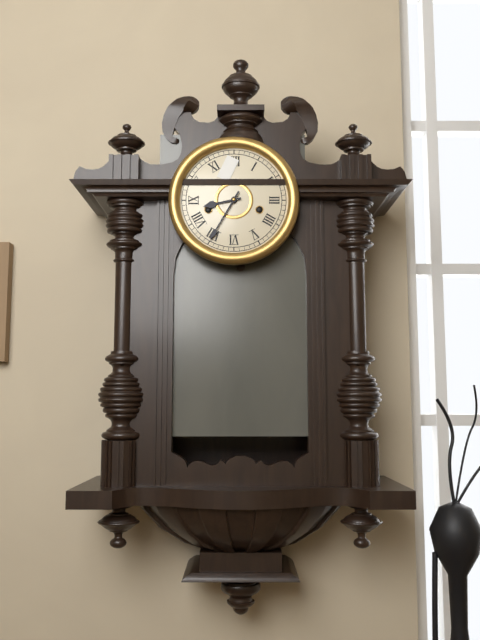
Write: h=8 m=35
